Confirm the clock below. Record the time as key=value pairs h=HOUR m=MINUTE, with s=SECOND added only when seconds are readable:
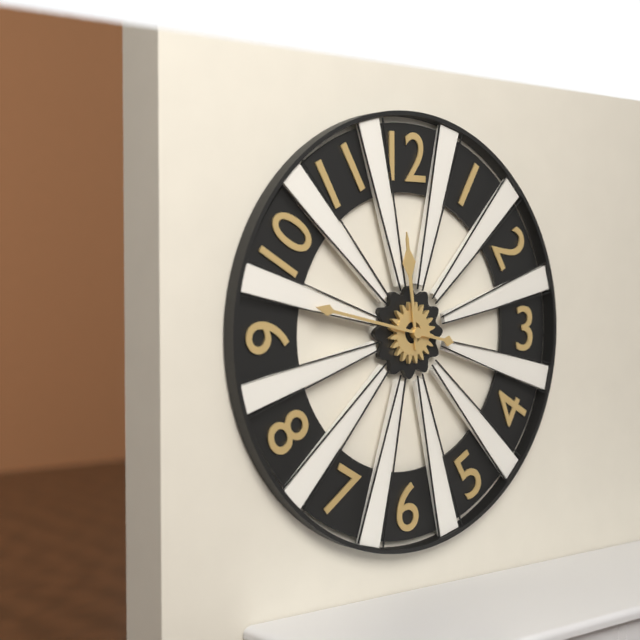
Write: h=11 m=47
